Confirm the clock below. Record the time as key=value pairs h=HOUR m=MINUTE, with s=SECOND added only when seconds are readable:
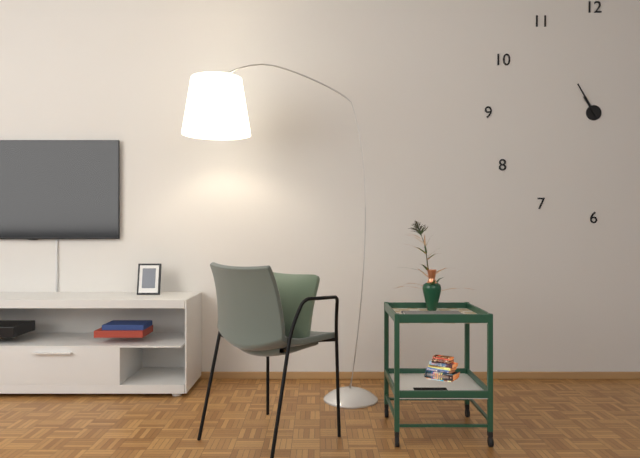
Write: h=10 m=55
